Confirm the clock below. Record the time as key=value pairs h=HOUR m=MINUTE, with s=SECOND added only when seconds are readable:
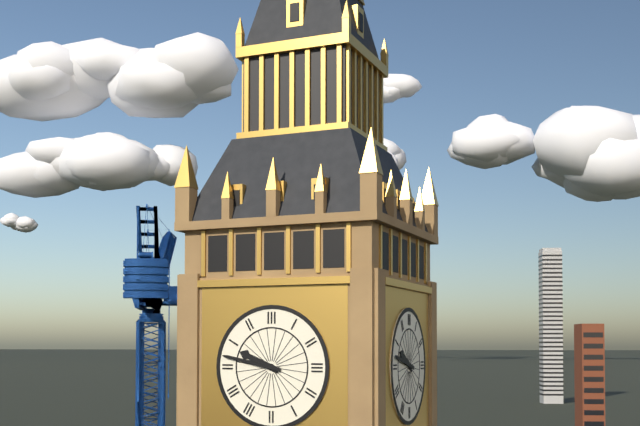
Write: h=9 m=47
